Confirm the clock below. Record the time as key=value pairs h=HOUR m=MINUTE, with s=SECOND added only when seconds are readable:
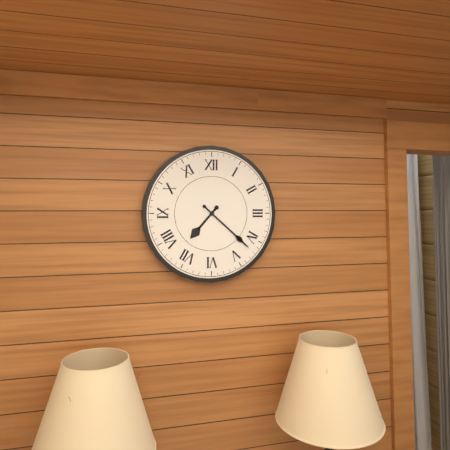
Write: h=7 m=22
